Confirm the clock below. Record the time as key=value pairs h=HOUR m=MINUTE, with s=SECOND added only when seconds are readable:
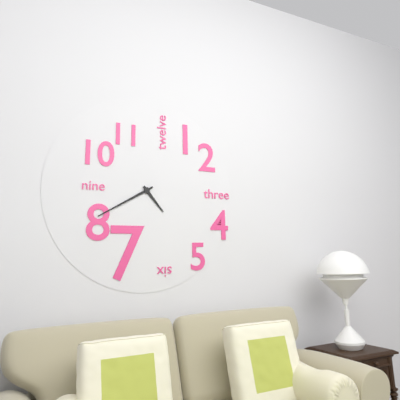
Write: h=4 m=40
